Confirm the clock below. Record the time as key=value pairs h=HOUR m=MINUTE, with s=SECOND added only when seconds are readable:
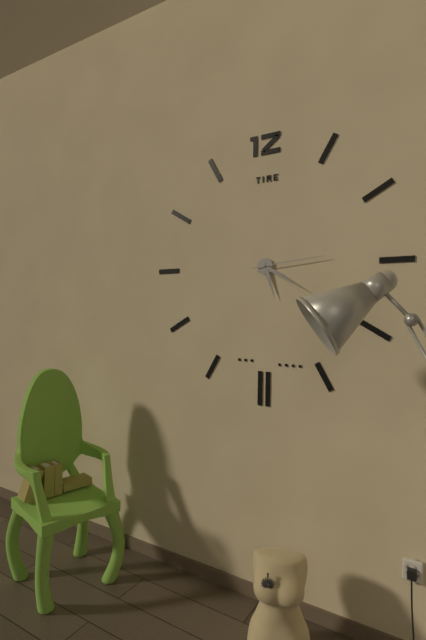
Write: h=5 m=20 s=14
